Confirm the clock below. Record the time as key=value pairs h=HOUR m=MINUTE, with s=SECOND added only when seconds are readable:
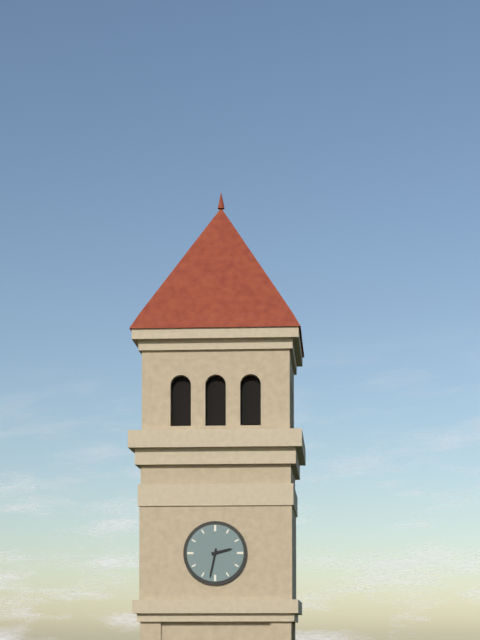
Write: h=2 m=32
